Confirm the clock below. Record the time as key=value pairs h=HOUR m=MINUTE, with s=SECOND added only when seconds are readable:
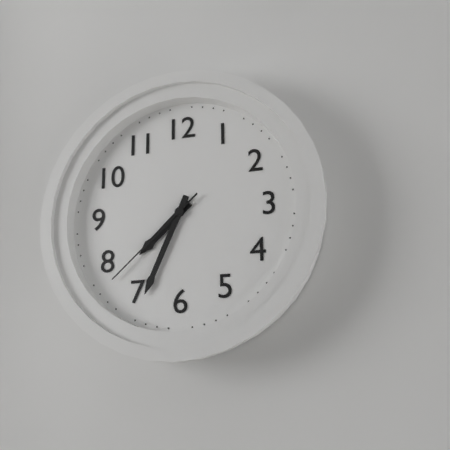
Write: h=7 m=34 s=38
